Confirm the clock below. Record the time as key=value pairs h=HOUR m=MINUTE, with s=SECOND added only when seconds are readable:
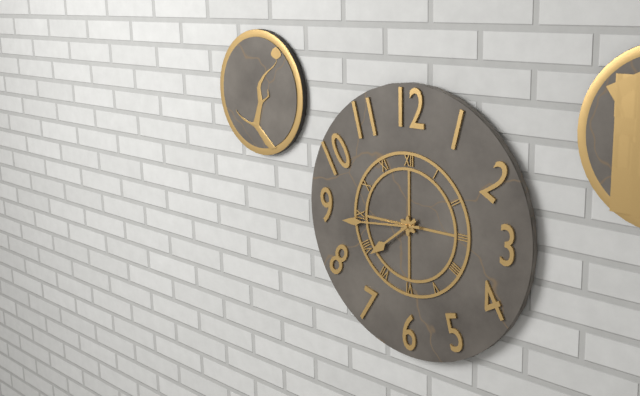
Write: h=7 m=44
